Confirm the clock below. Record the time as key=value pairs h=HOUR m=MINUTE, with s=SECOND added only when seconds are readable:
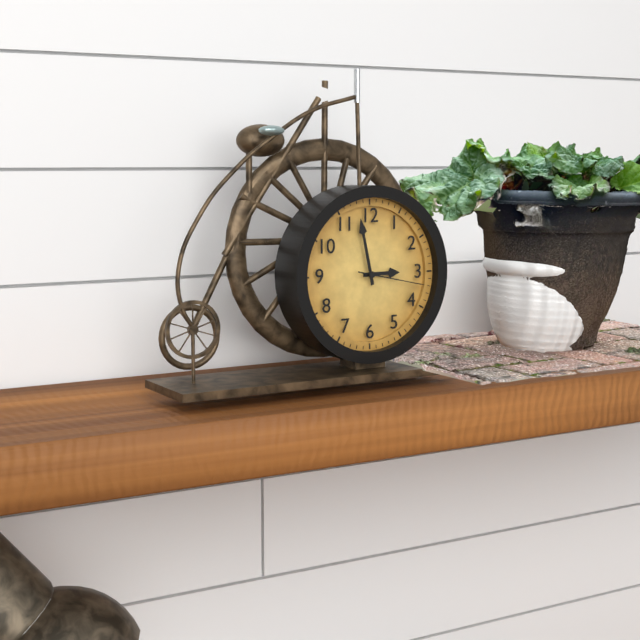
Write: h=2 m=58 s=17
